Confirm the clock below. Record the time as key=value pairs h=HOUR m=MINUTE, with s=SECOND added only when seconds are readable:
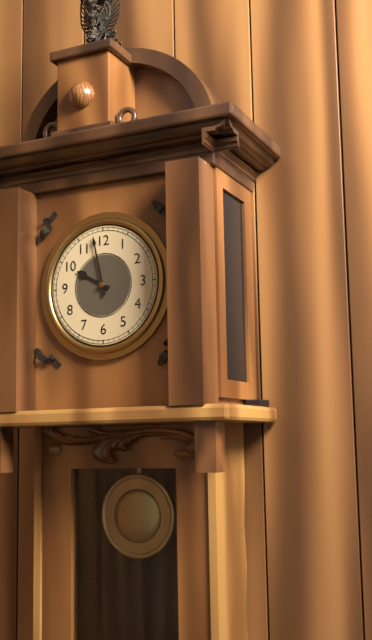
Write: h=9 m=58
